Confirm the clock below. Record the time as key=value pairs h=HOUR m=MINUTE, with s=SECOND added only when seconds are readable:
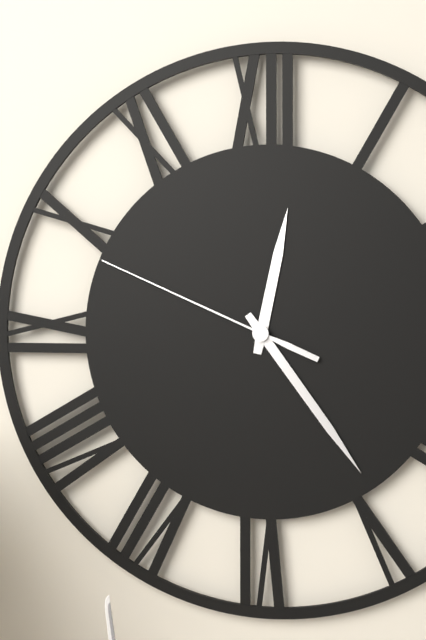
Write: h=12 m=24 s=49
